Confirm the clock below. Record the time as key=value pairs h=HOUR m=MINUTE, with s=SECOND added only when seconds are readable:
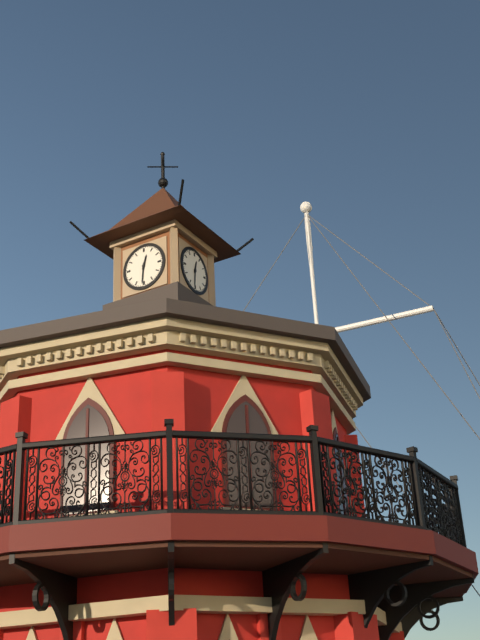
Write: h=12 m=31
